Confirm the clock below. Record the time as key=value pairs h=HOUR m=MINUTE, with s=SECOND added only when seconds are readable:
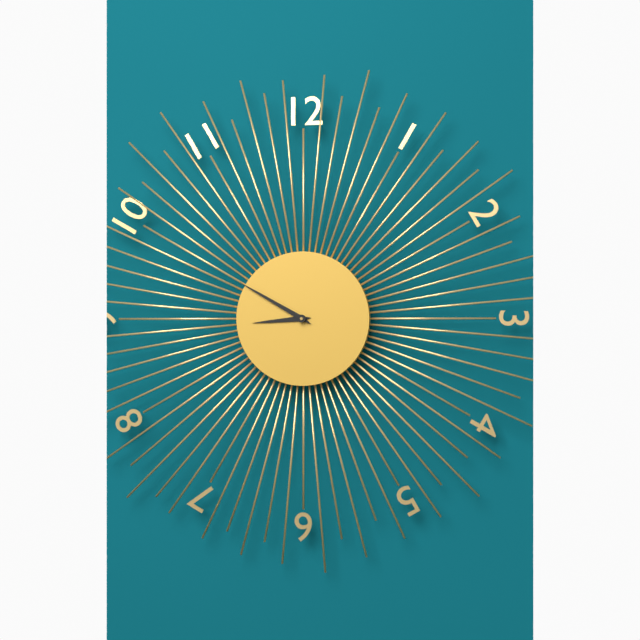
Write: h=8 m=50
